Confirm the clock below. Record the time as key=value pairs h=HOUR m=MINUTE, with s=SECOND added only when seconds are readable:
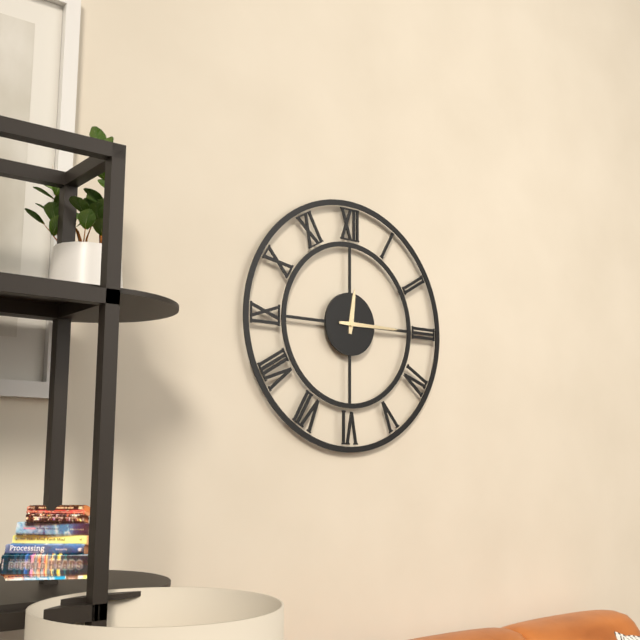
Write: h=12 m=15
